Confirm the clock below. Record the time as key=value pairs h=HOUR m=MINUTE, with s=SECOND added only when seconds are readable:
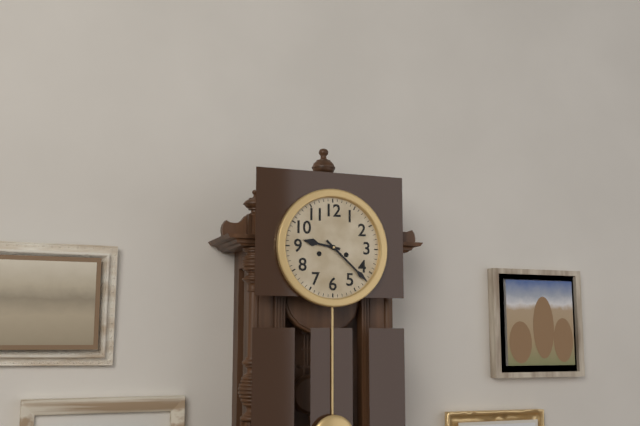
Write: h=9 m=22
